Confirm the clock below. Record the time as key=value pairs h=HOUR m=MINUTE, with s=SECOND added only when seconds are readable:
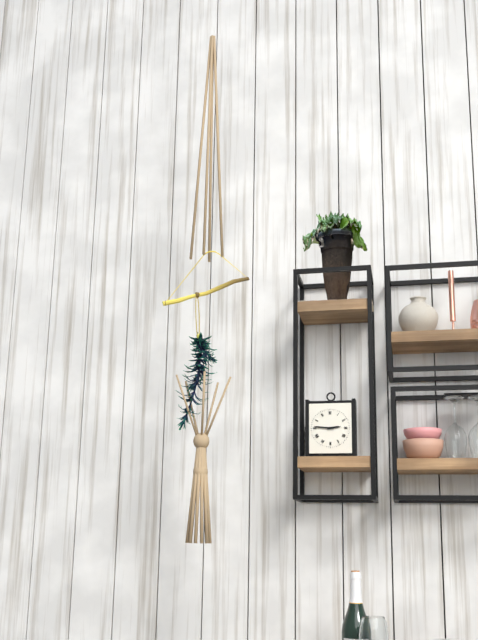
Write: h=2 m=46
